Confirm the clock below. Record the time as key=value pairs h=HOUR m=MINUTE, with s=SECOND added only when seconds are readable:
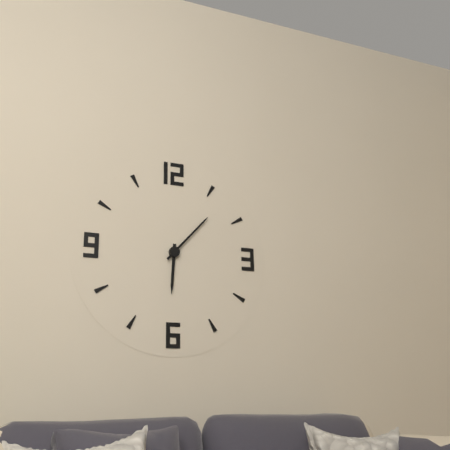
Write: h=6 m=7
